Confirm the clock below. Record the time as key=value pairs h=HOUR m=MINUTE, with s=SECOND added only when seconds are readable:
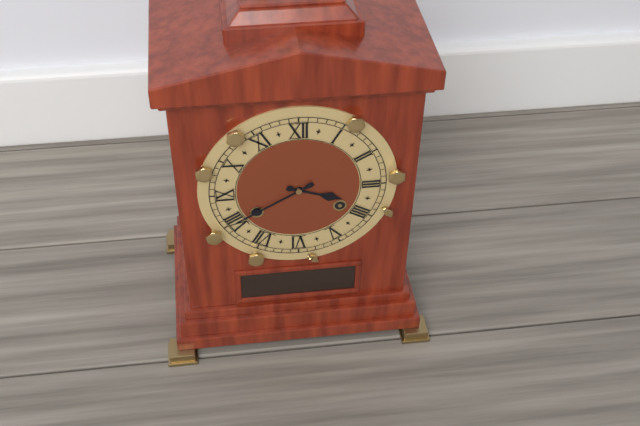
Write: h=3 m=40
